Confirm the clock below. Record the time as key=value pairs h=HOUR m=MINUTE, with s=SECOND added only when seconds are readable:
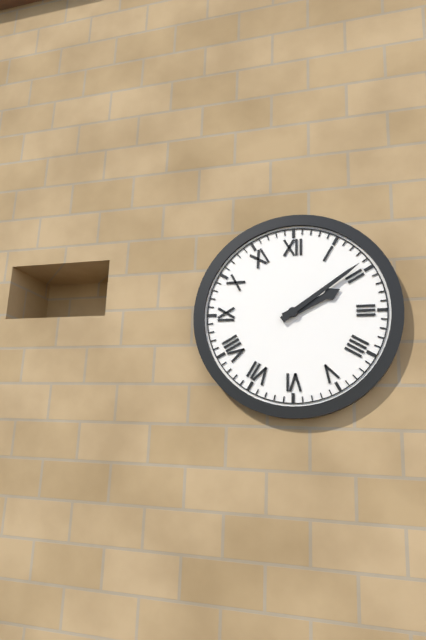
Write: h=2 m=9
